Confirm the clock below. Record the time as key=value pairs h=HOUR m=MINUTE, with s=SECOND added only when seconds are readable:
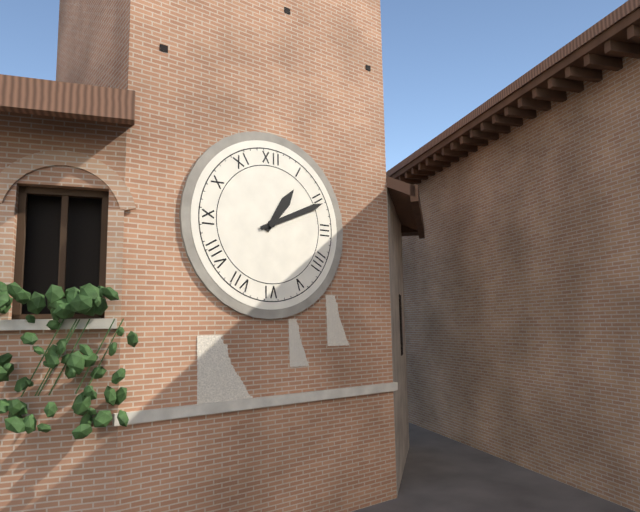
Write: h=1 m=11
